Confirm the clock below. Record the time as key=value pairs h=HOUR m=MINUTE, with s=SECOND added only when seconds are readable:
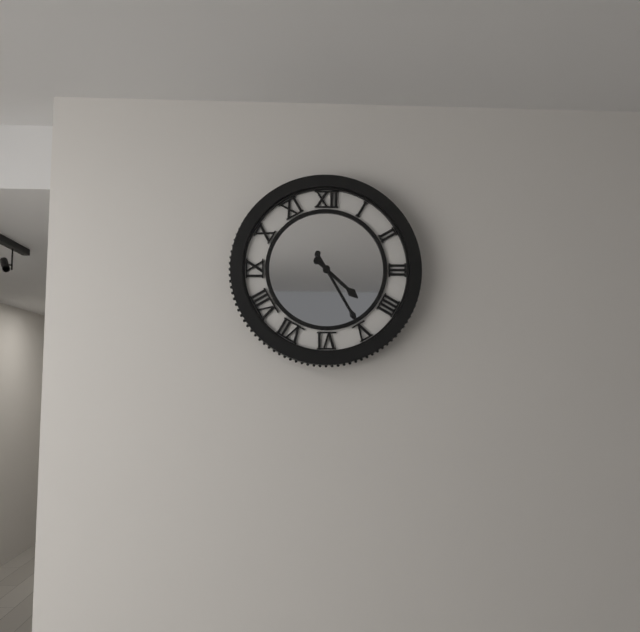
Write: h=4 m=25
